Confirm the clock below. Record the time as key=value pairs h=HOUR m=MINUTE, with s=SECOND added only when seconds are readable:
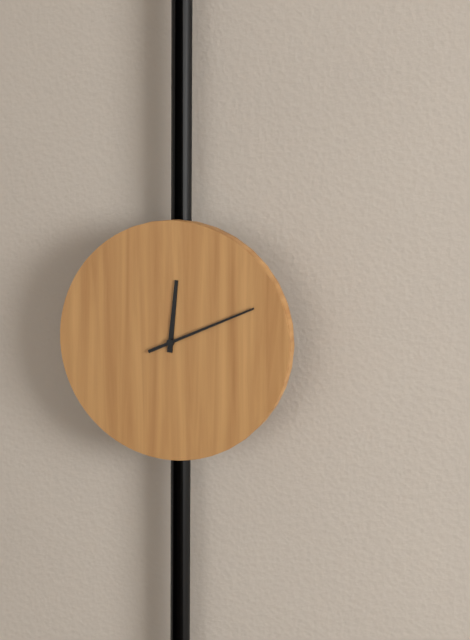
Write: h=12 m=11
